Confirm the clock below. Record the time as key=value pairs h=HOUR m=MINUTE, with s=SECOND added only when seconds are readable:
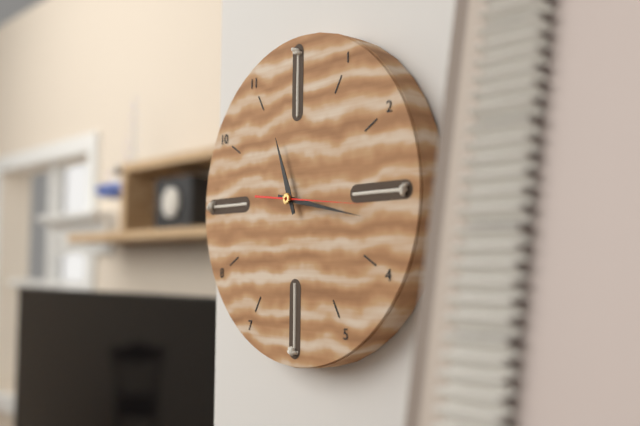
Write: h=11 m=17 s=16
